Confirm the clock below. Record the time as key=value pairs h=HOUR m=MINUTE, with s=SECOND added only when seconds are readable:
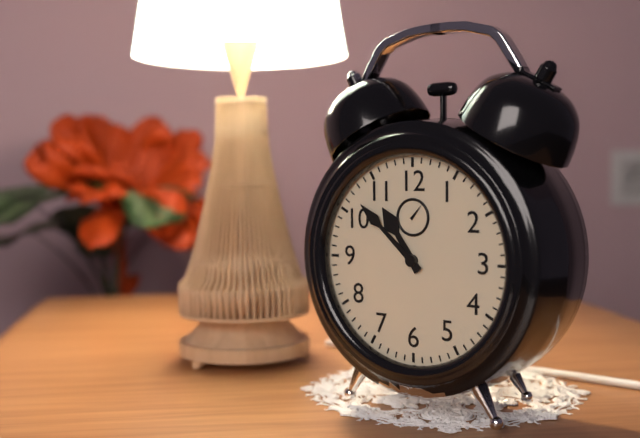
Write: h=10 m=52
